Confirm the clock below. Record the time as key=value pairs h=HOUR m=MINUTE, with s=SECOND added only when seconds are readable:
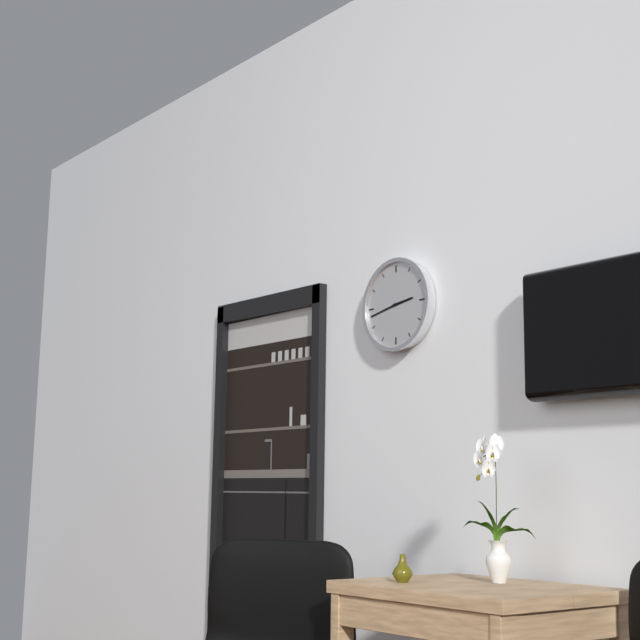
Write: h=2 m=43
